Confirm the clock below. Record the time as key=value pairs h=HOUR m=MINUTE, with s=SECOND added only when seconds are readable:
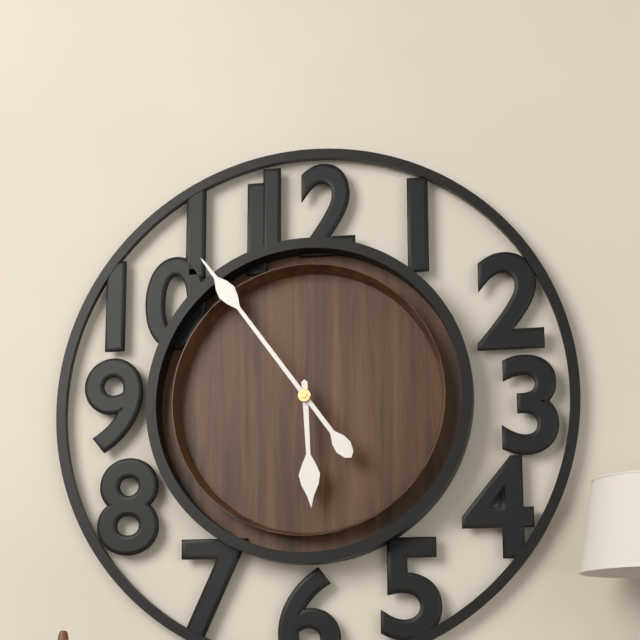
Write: h=5 m=54
